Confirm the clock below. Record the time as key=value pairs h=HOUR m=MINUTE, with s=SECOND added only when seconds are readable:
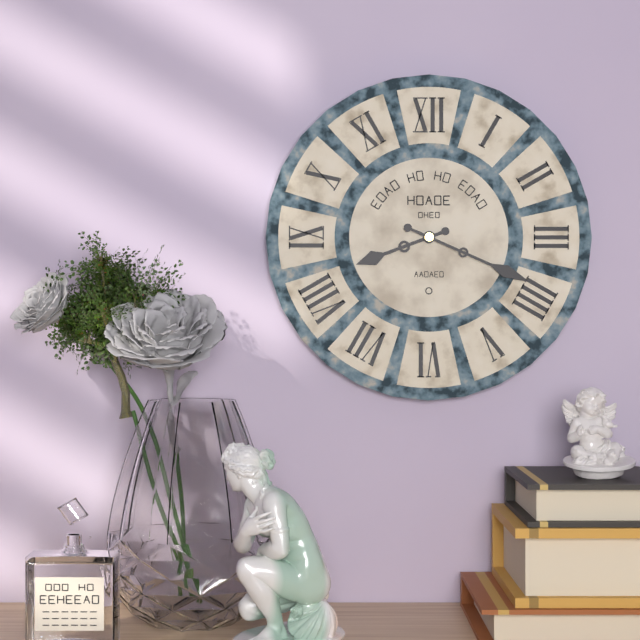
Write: h=8 m=19
